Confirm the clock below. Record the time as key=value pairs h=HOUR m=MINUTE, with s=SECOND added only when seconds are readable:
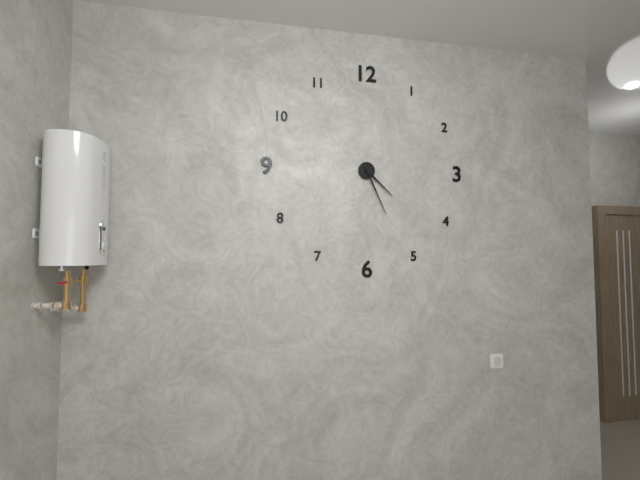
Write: h=4 m=26
